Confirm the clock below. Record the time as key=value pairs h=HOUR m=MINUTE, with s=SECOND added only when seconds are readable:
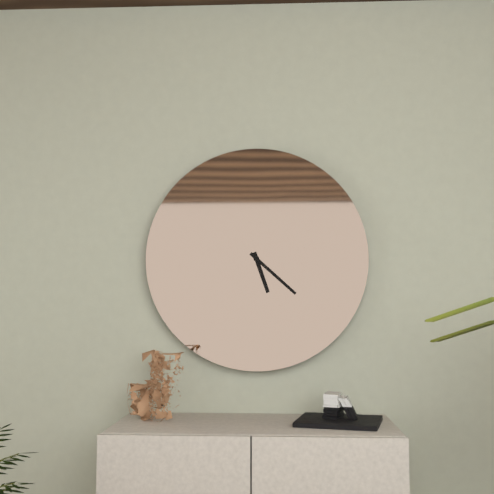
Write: h=5 m=22
